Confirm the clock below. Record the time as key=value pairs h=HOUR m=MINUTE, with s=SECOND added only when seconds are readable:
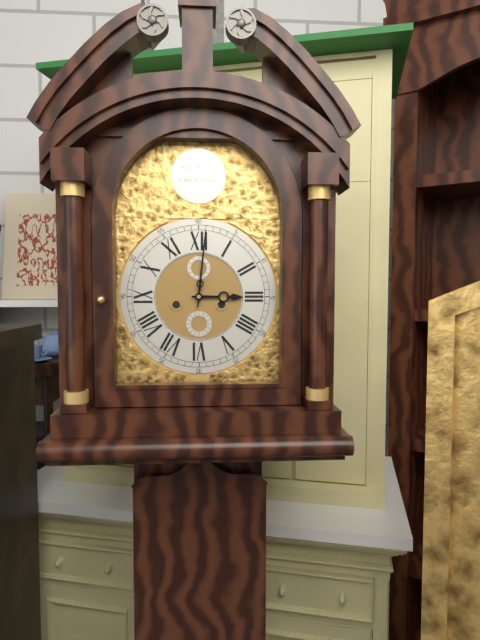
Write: h=3 m=1
